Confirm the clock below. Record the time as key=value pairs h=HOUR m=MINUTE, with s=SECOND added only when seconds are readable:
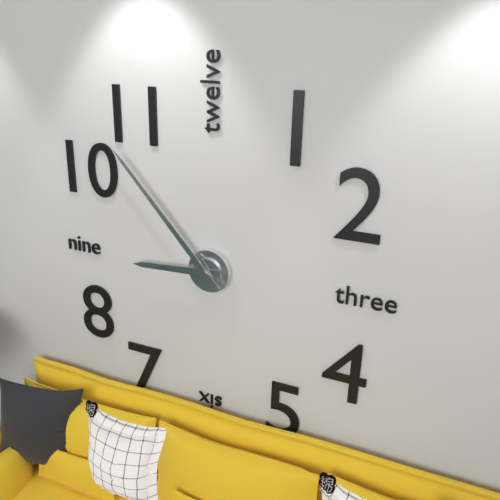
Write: h=8 m=53
